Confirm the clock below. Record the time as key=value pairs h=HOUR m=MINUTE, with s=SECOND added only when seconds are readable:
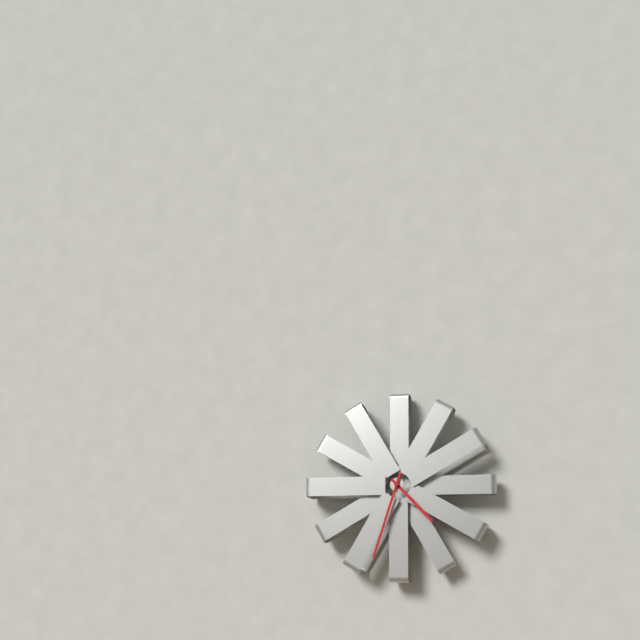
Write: h=4 m=33
